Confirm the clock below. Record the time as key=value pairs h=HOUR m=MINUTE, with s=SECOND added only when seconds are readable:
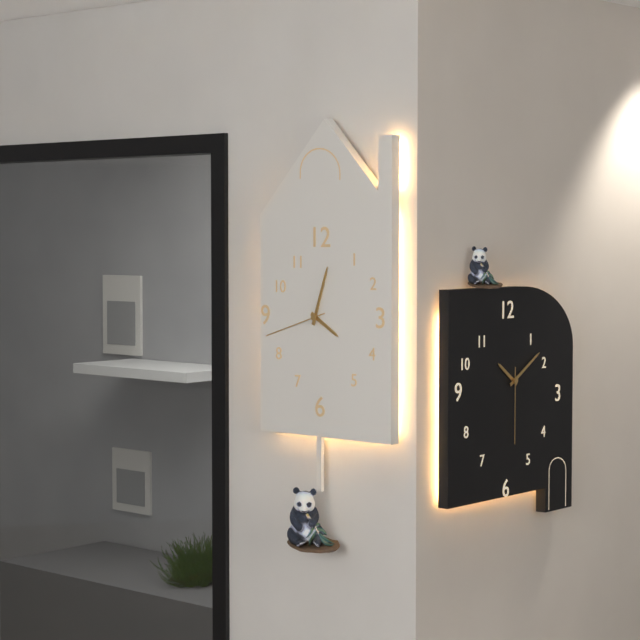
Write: h=4 m=3 s=42
